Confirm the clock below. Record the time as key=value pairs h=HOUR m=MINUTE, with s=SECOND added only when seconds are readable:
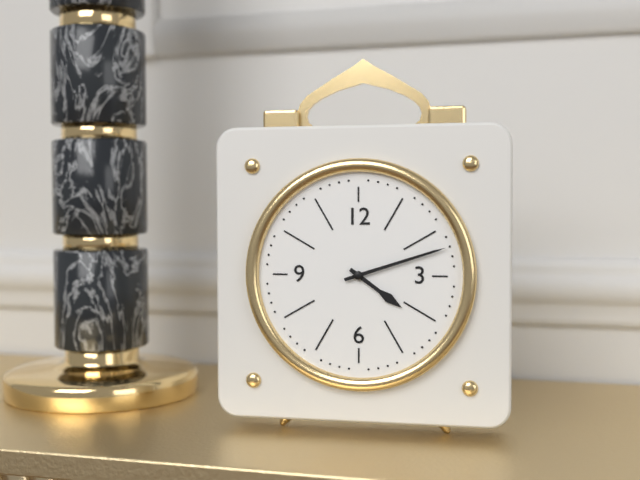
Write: h=4 m=12
